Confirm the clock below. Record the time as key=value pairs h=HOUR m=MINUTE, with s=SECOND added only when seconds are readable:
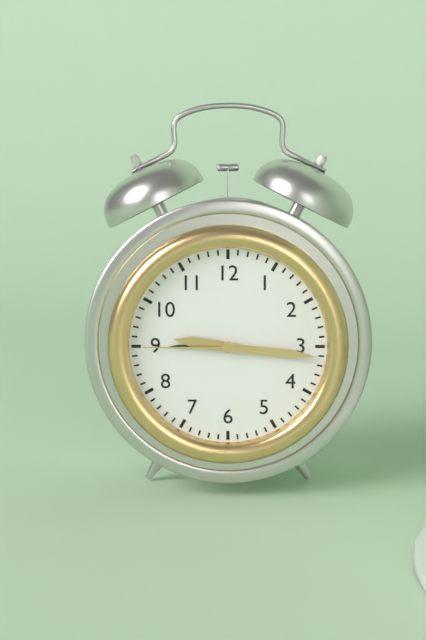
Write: h=9 m=16 s=45
